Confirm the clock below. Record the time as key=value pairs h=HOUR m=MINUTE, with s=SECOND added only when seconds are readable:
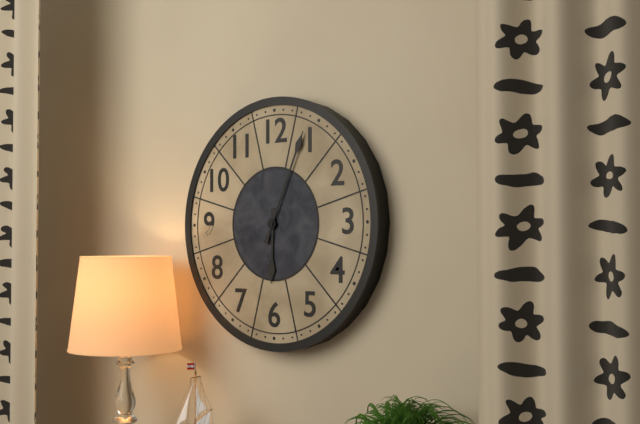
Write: h=6 m=4
